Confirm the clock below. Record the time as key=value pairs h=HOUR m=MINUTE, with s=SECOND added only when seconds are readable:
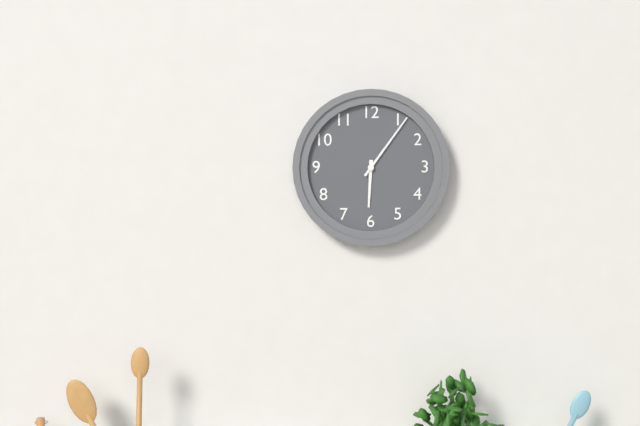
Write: h=6 m=6
